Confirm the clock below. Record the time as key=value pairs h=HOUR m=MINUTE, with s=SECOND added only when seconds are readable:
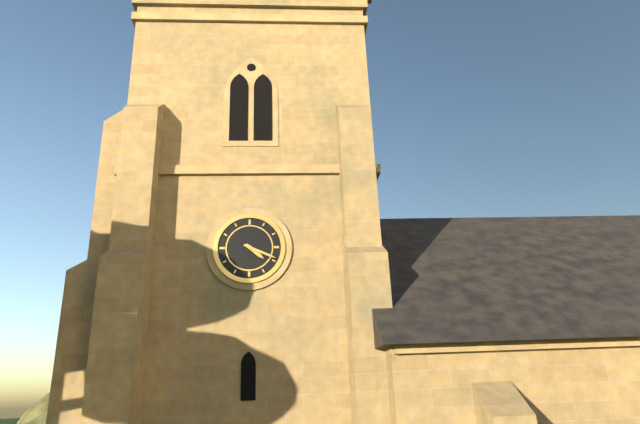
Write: h=4 m=19
